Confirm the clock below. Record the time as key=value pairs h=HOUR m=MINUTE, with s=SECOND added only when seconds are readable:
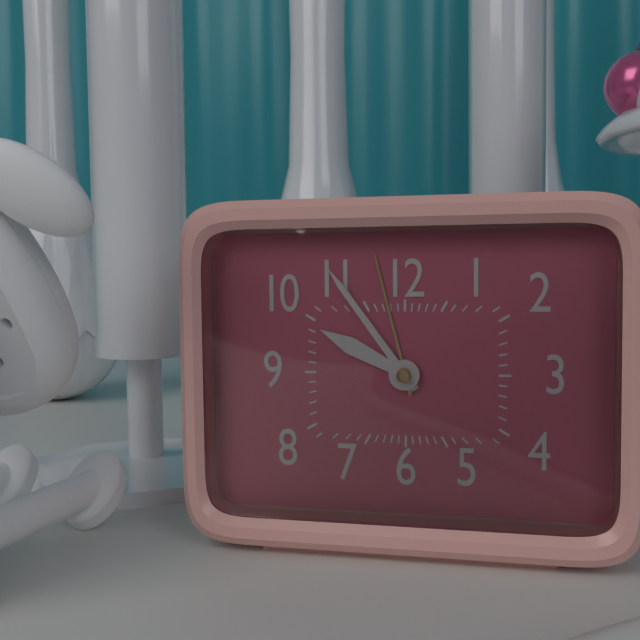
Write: h=9 m=54
